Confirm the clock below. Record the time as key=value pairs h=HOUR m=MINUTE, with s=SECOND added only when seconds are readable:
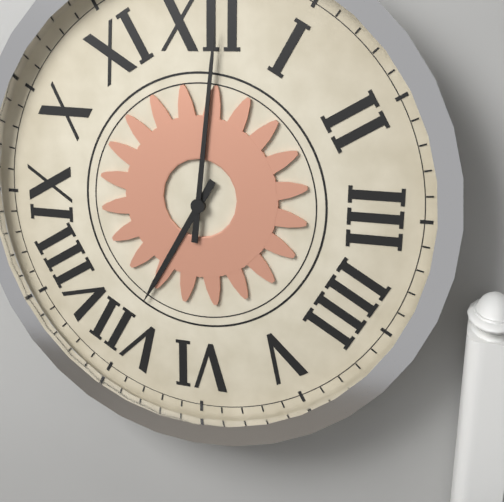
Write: h=7 m=1
